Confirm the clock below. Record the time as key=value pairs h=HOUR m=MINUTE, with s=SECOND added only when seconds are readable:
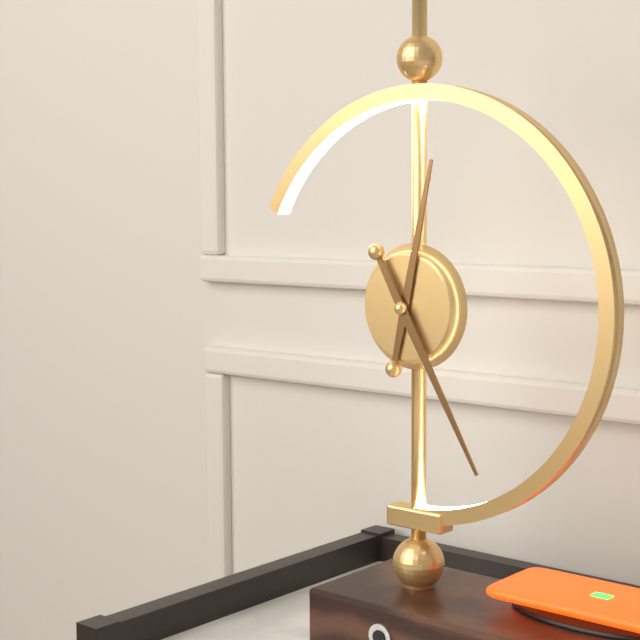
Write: h=12 m=25
